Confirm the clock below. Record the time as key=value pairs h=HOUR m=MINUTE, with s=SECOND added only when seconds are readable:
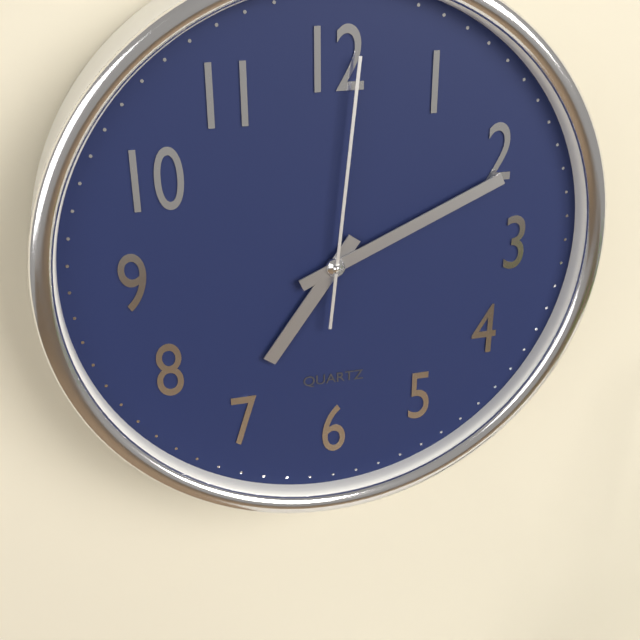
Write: h=7 m=11 s=1
